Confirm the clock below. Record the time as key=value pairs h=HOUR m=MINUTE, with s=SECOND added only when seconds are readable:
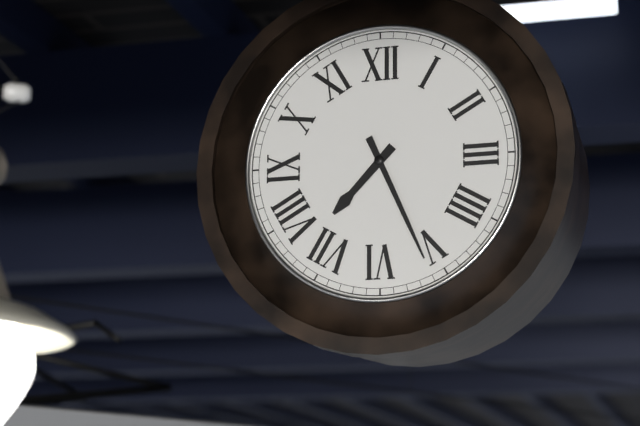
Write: h=7 m=26
